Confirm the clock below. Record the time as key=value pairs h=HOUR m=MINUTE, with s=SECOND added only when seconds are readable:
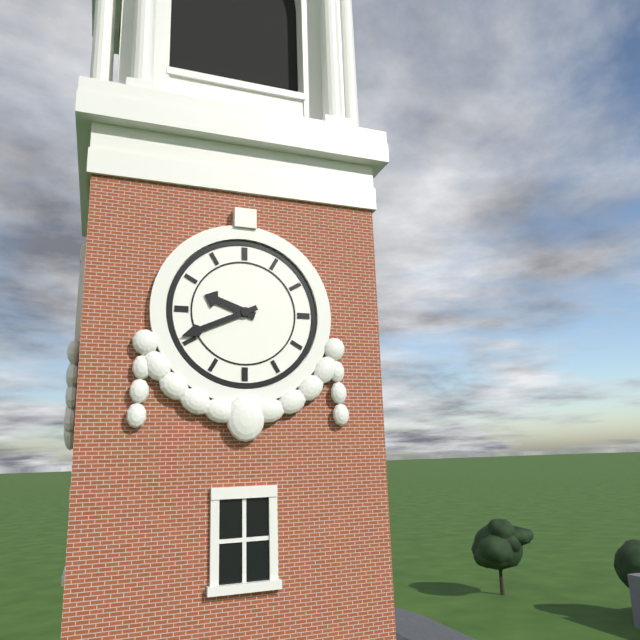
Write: h=9 m=41
